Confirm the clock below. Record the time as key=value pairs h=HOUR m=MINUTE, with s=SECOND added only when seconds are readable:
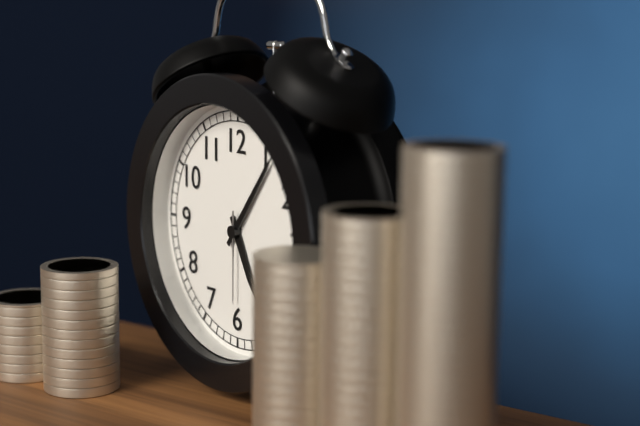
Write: h=5 m=6 s=30
